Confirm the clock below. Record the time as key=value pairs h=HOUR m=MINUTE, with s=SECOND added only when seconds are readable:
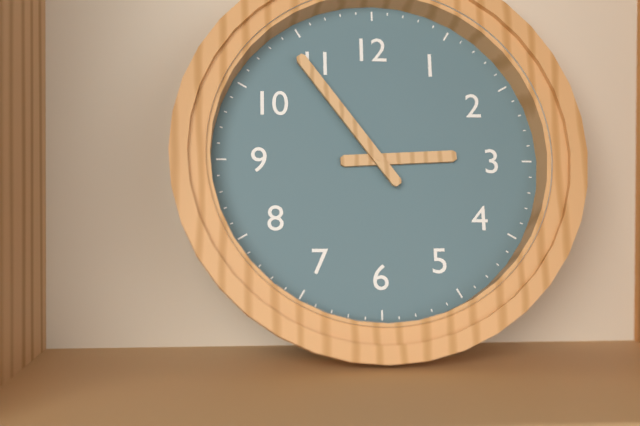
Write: h=2 m=54
